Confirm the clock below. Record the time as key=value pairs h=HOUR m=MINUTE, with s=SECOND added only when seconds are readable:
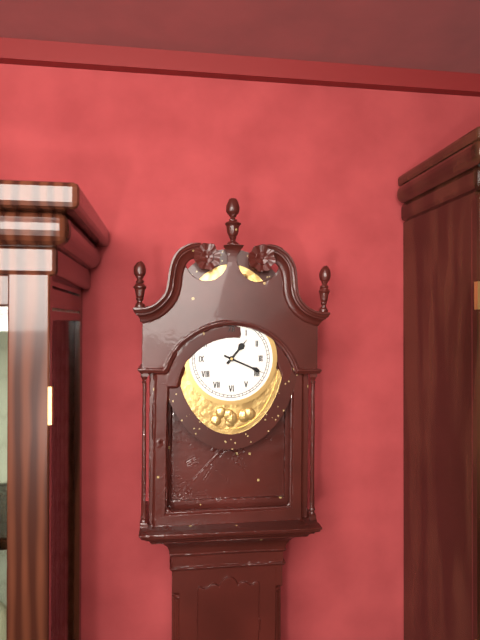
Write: h=1 m=19
